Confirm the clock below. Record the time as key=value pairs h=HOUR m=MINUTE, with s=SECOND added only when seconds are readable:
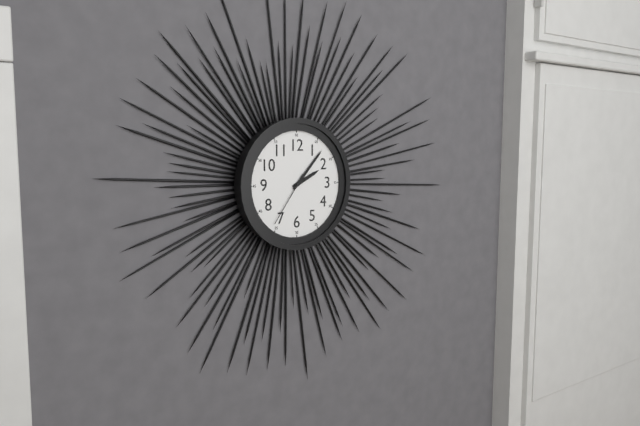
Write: h=2 m=7 s=36
